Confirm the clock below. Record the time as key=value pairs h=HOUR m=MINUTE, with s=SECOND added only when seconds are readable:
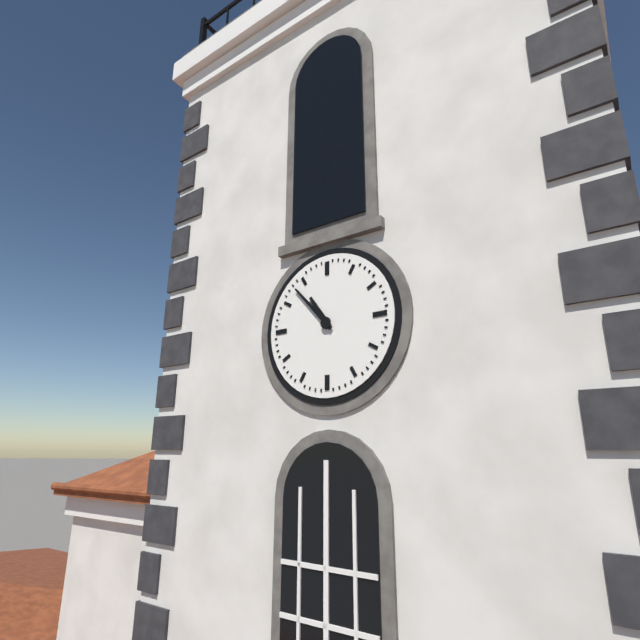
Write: h=10 m=53
